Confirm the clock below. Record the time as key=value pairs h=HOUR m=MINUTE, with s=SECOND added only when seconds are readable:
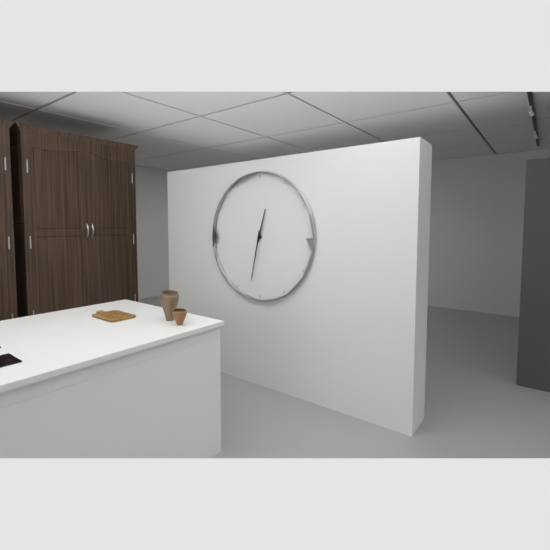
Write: h=12 m=32
